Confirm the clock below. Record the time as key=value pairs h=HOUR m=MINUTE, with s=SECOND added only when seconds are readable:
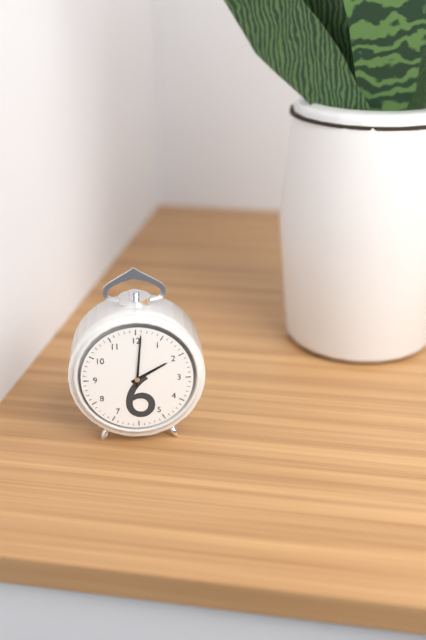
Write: h=2 m=1
